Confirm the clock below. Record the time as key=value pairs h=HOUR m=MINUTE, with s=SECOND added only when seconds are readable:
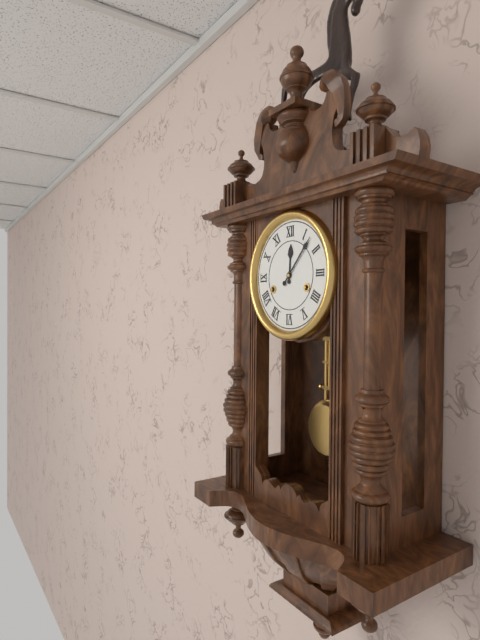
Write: h=12 m=7
